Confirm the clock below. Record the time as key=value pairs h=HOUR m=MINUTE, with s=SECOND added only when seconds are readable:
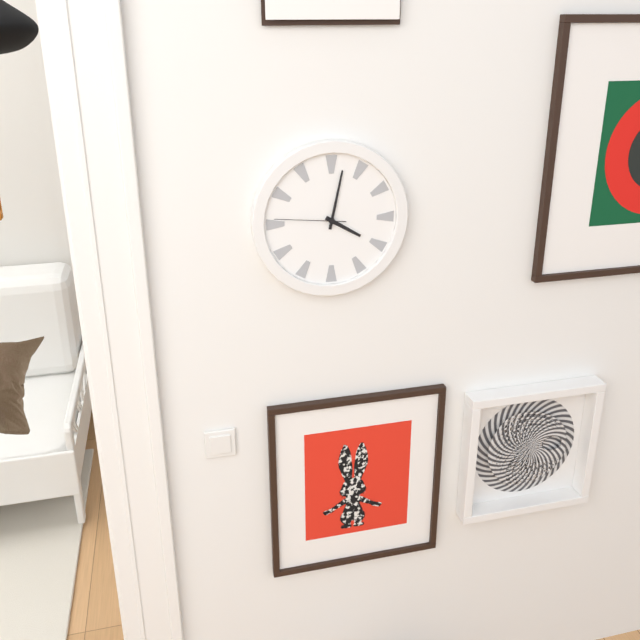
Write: h=4 m=2 s=46
